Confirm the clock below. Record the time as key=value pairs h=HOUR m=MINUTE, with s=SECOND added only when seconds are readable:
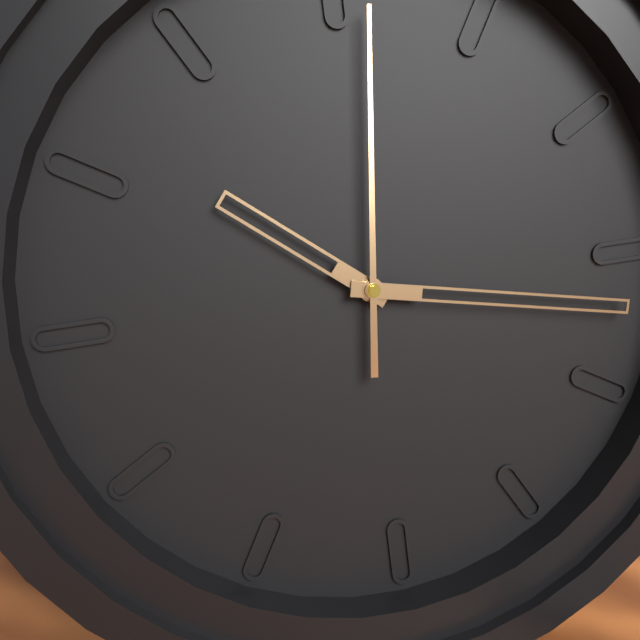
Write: h=10 m=17 s=1
